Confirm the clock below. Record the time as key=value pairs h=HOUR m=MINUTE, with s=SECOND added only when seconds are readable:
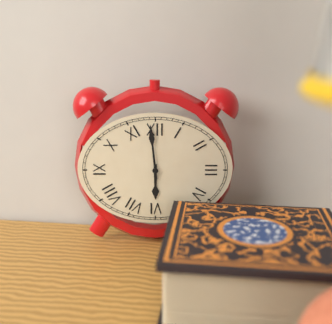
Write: h=5 m=59
